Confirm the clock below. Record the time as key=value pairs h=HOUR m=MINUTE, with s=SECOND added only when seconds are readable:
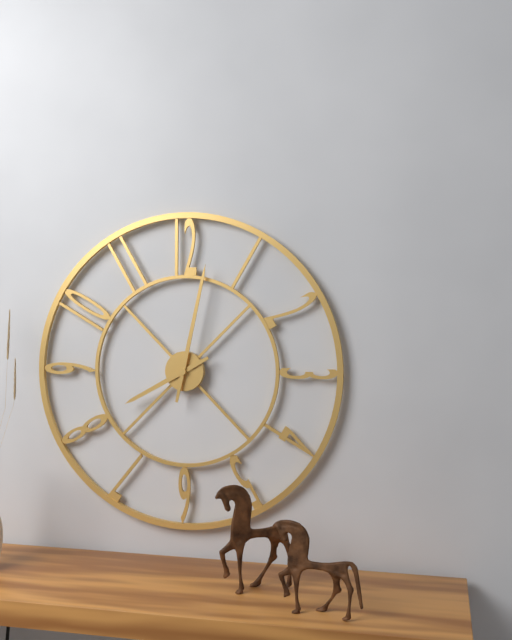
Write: h=8 m=2
